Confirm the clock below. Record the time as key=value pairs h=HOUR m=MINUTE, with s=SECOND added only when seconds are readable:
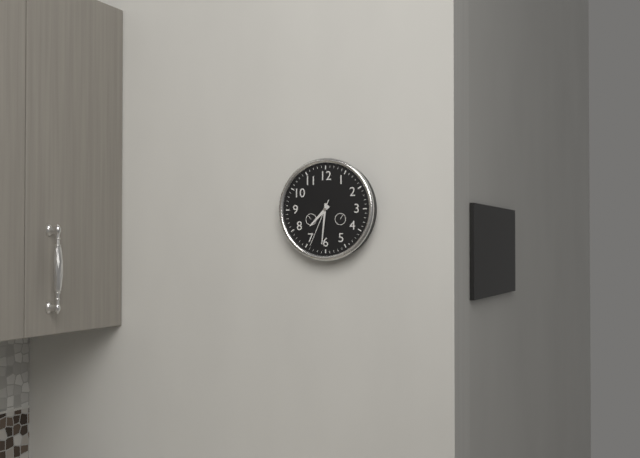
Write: h=7 m=31
